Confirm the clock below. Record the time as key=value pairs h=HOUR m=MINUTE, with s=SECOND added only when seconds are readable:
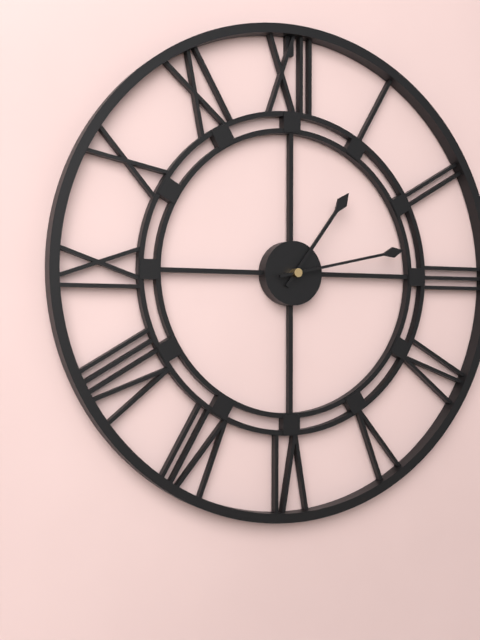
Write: h=1 m=13
